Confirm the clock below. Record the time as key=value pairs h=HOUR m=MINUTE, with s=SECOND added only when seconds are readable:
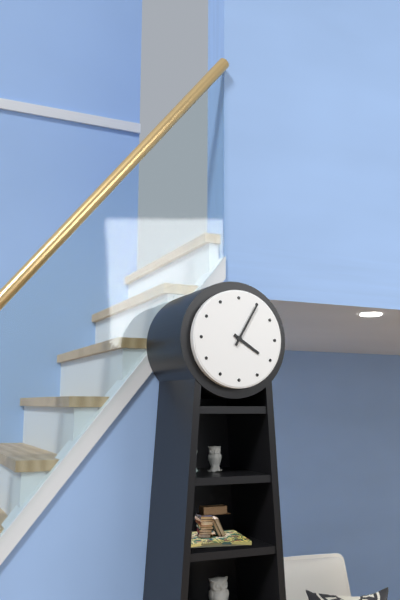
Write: h=4 m=5
